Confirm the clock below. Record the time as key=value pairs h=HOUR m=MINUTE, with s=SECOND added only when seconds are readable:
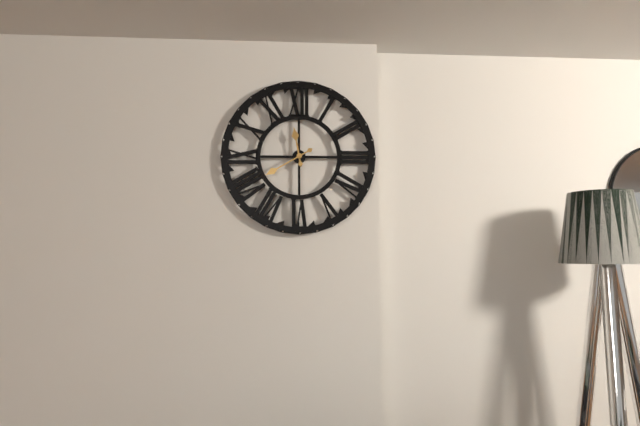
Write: h=11 m=40
